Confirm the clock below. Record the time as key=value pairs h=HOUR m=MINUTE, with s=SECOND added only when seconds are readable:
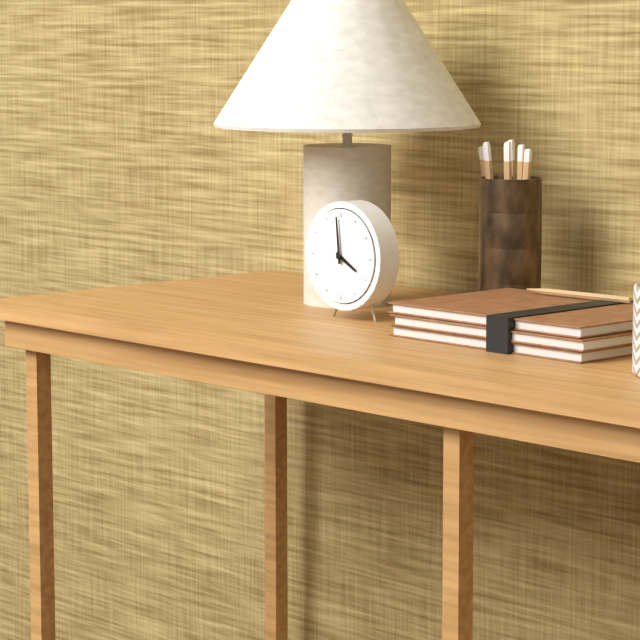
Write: h=3 m=59
